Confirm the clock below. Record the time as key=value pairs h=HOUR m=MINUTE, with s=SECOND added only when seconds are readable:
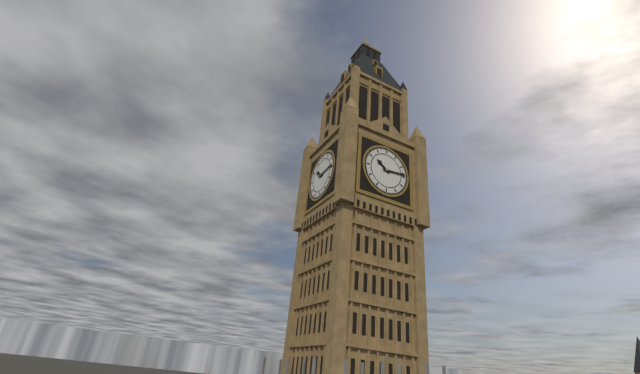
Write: h=10 m=14
